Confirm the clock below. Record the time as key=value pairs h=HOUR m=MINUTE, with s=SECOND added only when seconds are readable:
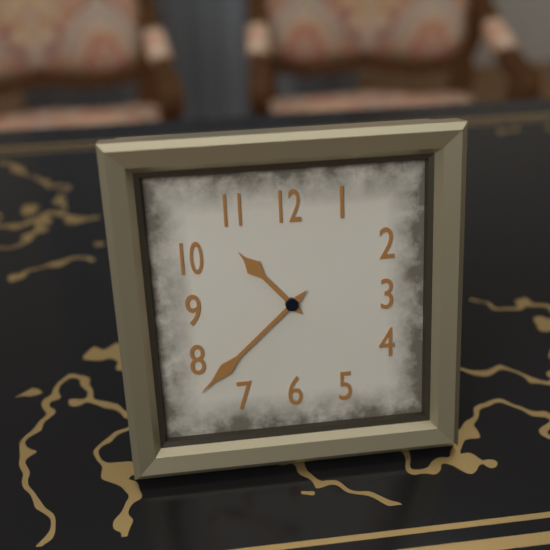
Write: h=10 m=38
